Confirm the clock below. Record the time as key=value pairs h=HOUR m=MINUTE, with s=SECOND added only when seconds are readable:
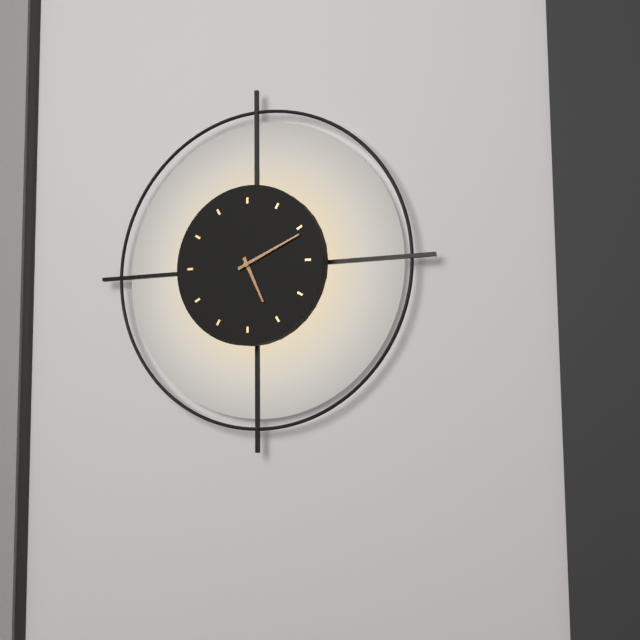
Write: h=5 m=11
